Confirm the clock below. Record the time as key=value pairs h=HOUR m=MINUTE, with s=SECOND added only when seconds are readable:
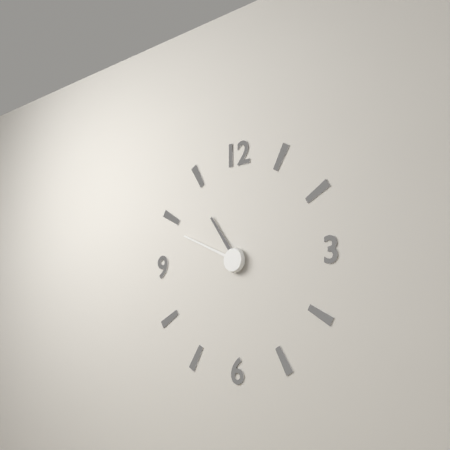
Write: h=10 m=49
